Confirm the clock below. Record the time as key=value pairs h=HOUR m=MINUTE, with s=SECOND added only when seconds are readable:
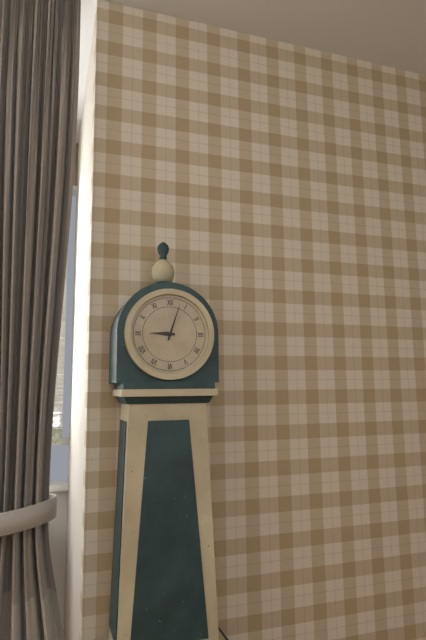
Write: h=9 m=3
